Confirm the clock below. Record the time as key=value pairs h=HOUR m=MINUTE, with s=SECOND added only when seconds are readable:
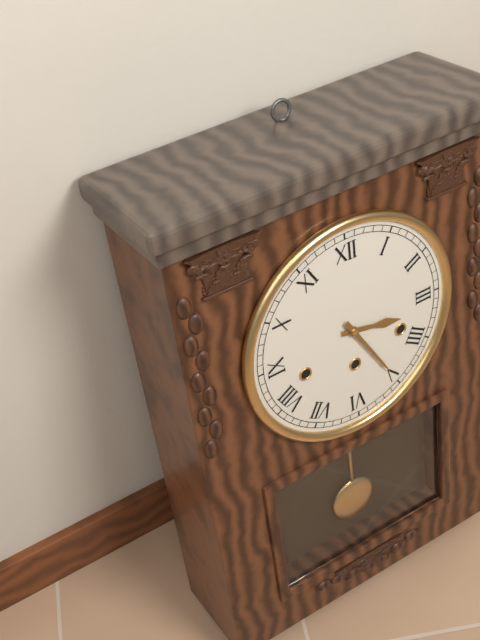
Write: h=3 m=25
